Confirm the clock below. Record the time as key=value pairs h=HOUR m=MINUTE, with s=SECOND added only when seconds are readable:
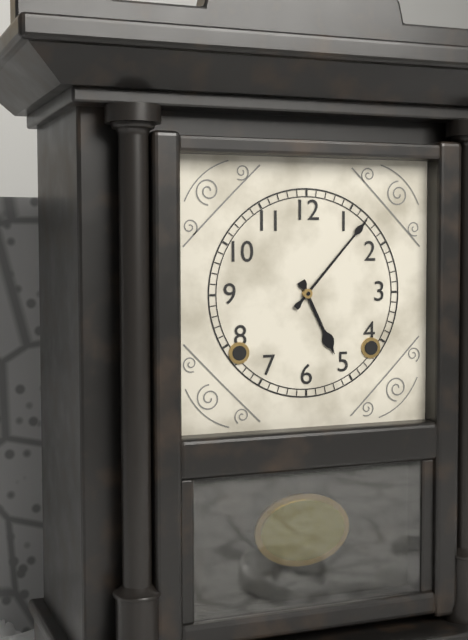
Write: h=5 m=7
